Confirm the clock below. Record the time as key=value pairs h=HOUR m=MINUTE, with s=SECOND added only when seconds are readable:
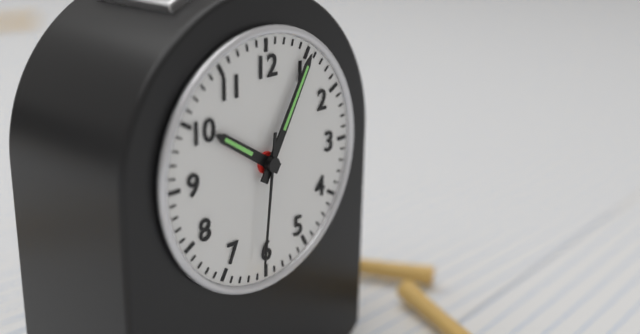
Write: h=10 m=5 s=31
